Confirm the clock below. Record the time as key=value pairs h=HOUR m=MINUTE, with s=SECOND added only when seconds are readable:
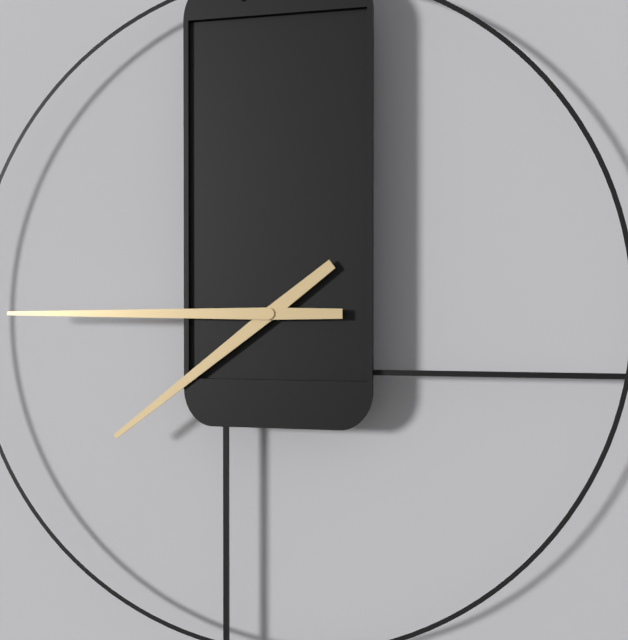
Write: h=7 m=45
